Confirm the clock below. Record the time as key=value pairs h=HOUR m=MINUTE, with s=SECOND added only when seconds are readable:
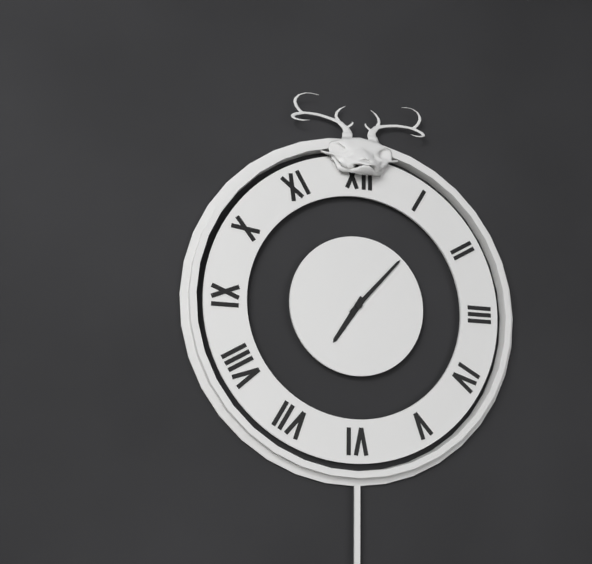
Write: h=7 m=7
